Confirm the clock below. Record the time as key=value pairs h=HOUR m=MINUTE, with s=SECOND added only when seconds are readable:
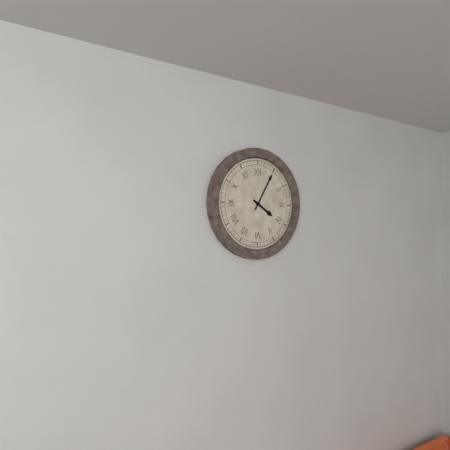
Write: h=4 m=5
